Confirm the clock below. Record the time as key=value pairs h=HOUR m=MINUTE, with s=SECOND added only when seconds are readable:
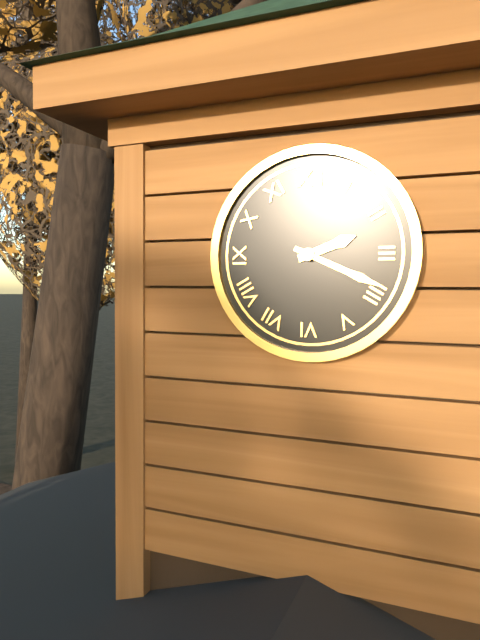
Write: h=2 m=19
